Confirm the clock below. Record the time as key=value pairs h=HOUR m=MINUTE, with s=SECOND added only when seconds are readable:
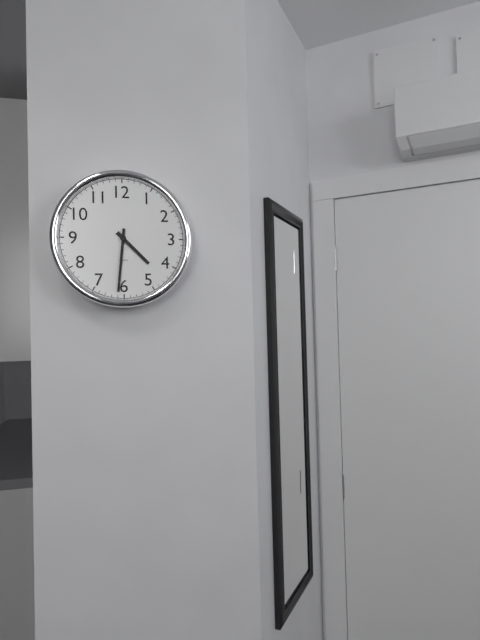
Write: h=4 m=31
